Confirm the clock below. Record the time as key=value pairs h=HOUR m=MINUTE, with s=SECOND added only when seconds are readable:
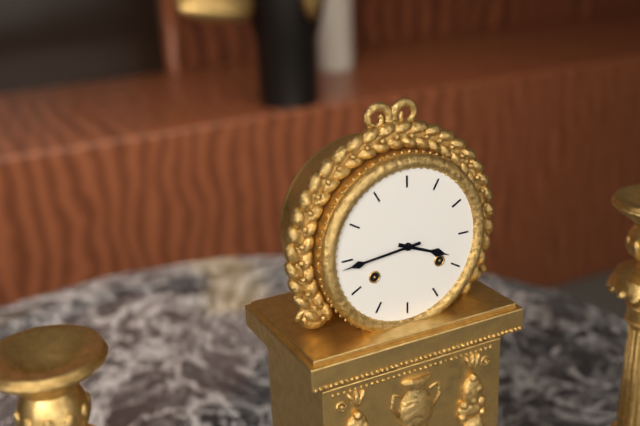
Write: h=3 m=44
